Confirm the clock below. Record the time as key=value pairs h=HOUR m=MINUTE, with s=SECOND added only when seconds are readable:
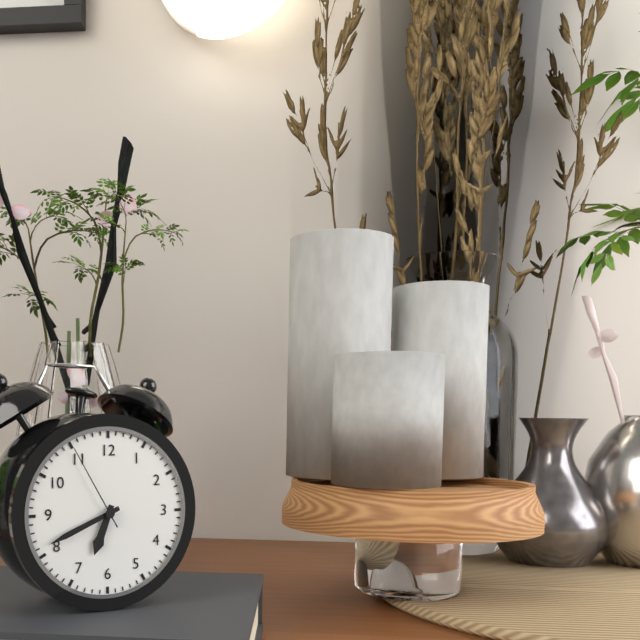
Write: h=6 m=41 s=55
